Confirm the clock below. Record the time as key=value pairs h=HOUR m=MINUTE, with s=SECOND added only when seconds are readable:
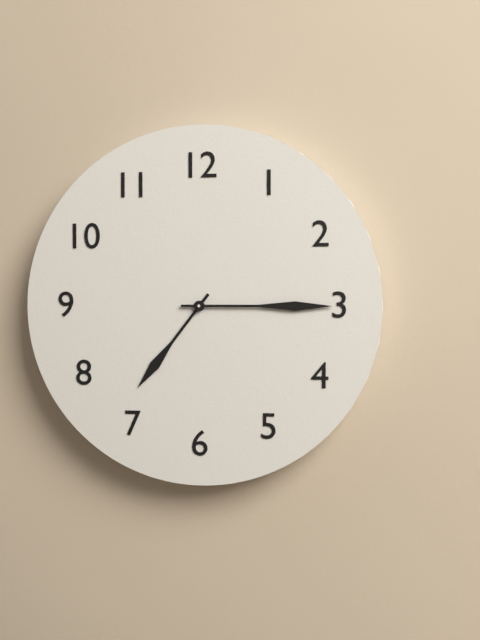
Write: h=7 m=15
